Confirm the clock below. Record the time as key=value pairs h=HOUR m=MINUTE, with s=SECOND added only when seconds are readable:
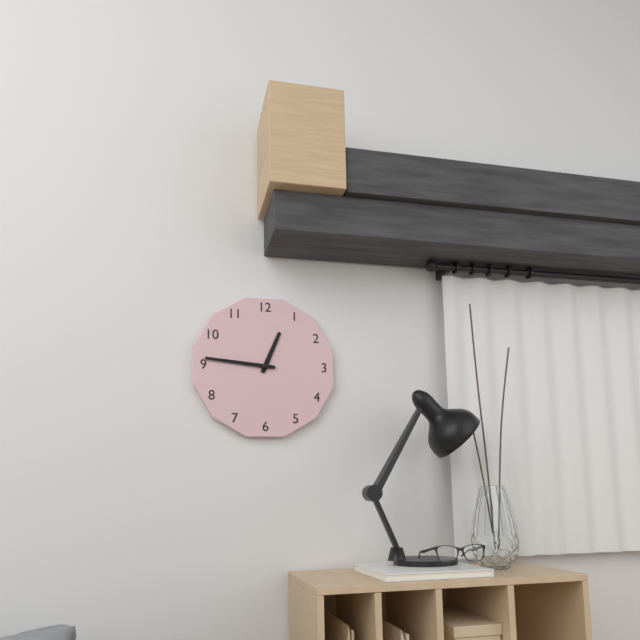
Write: h=12 m=46
